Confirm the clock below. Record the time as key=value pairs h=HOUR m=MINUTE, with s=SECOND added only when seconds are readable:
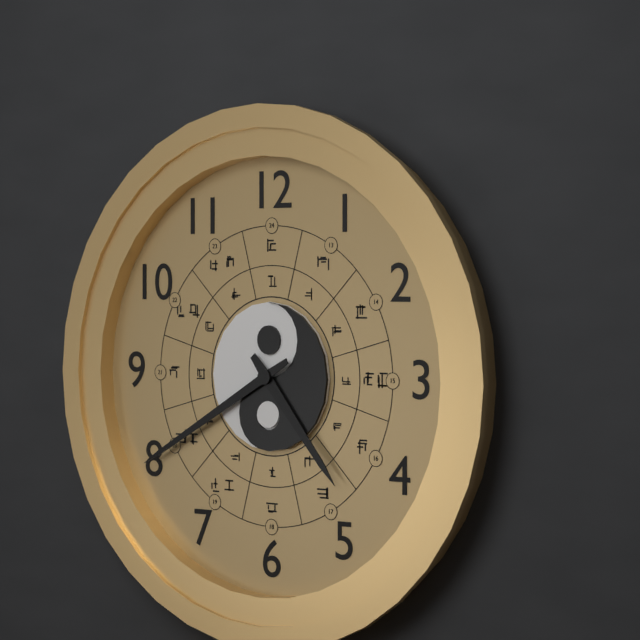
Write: h=4 m=40
